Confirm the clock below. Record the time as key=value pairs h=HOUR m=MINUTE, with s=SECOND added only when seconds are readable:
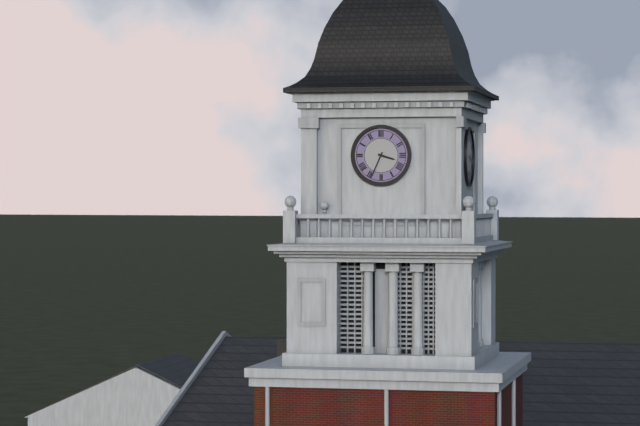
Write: h=3 m=34
